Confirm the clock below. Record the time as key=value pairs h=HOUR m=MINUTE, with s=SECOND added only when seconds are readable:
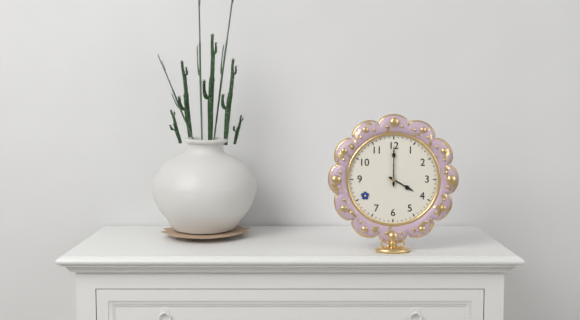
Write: h=4 m=0
